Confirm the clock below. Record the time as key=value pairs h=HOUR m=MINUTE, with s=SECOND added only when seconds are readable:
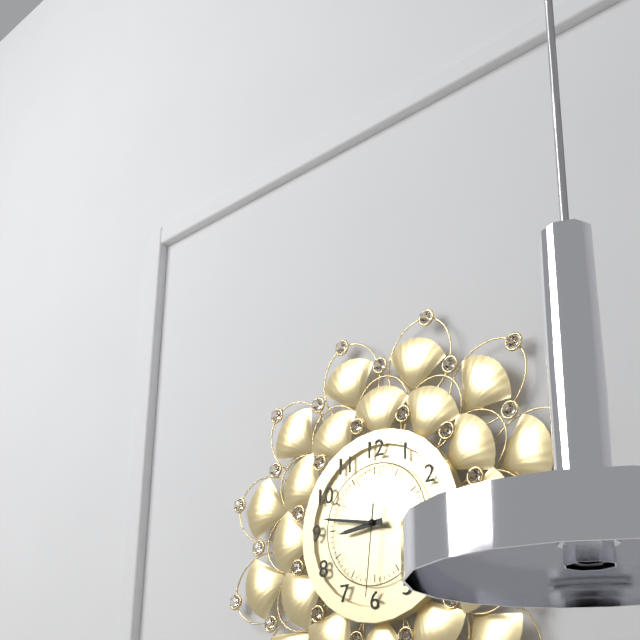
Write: h=8 m=47 s=31
